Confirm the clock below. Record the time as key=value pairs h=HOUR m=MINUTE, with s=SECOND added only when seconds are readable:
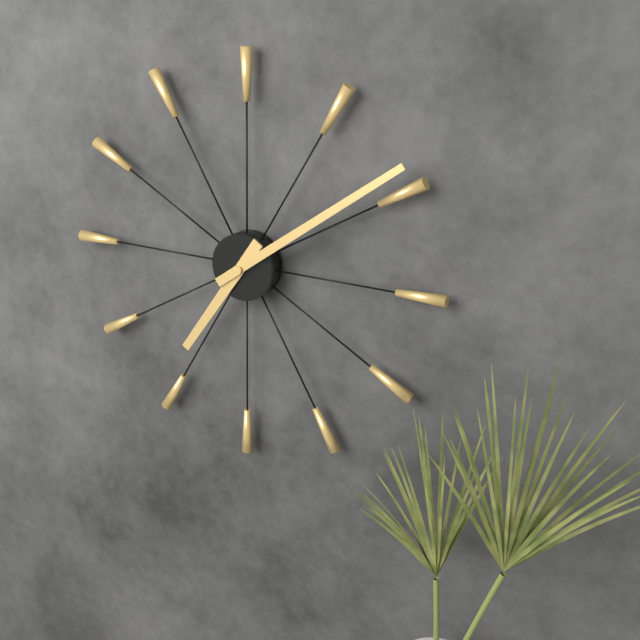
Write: h=7 m=9
